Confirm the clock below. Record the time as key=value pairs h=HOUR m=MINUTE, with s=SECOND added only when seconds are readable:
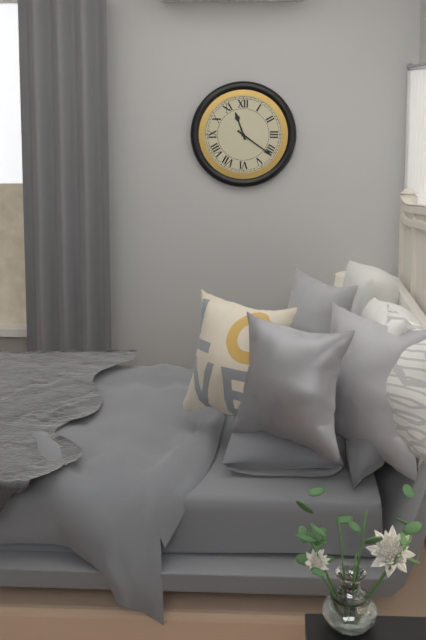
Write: h=11 m=21
